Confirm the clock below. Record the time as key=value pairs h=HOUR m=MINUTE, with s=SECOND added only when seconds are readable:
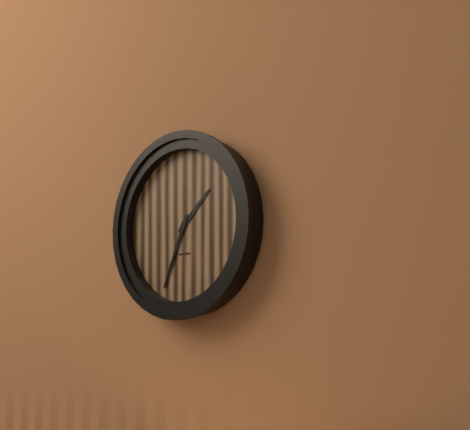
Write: h=1 m=34
